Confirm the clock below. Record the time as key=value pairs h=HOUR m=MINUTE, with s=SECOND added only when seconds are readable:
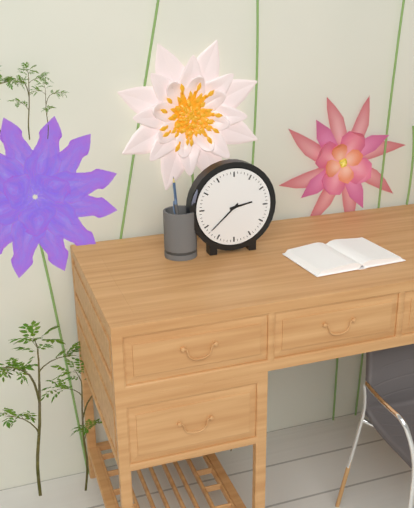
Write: h=2 m=38
